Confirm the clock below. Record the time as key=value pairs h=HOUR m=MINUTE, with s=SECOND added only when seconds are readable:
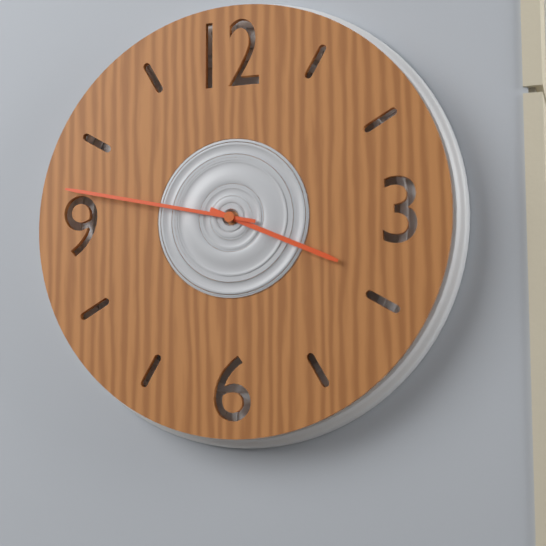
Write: h=3 m=47
